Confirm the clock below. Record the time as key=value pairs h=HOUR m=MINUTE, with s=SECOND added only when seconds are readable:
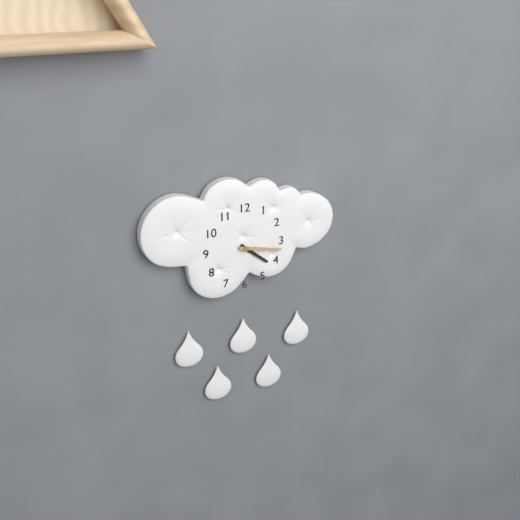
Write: h=4 m=17
